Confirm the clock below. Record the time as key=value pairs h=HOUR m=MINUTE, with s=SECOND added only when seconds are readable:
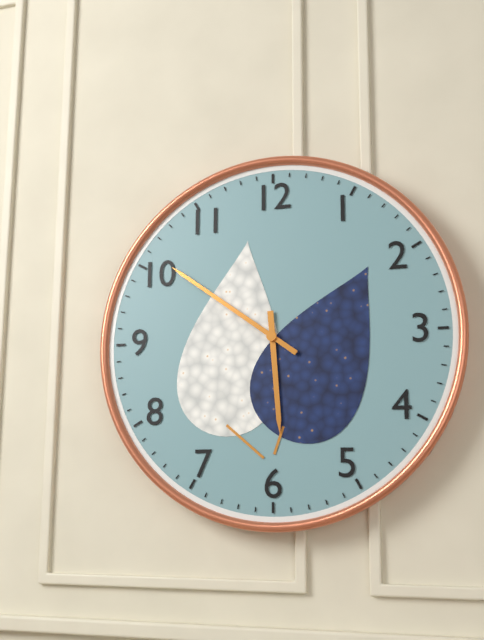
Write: h=5 m=51
